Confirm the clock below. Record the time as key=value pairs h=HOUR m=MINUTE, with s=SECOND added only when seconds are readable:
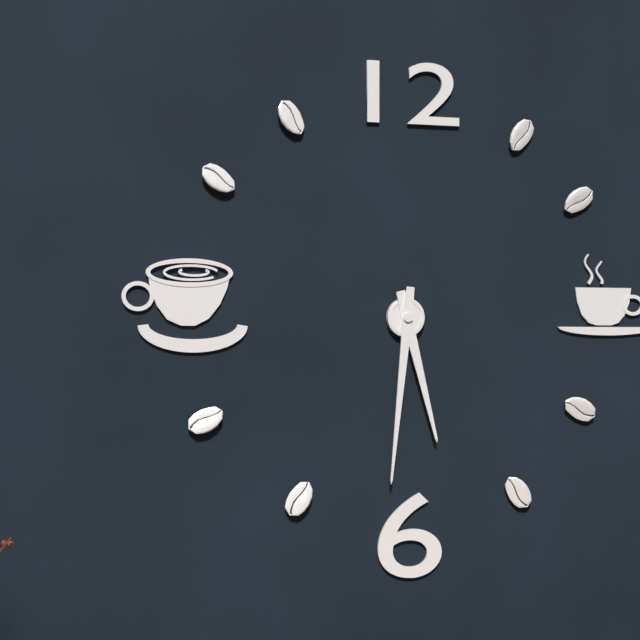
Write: h=5 m=31
